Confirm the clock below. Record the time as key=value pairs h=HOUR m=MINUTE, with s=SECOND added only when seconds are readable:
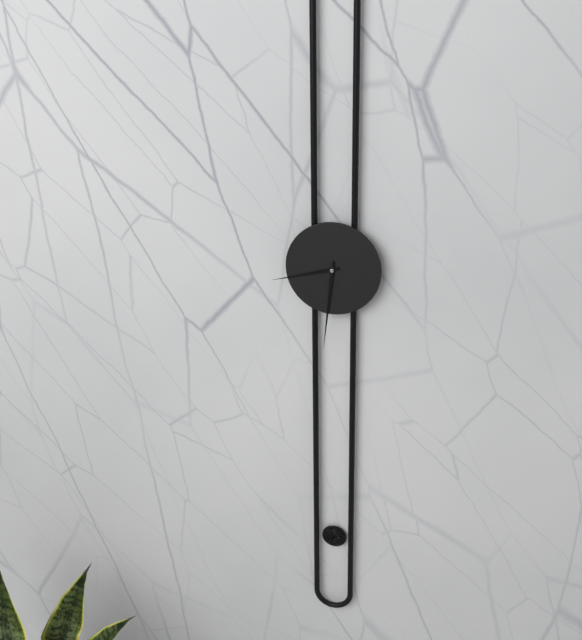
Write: h=8 m=31
